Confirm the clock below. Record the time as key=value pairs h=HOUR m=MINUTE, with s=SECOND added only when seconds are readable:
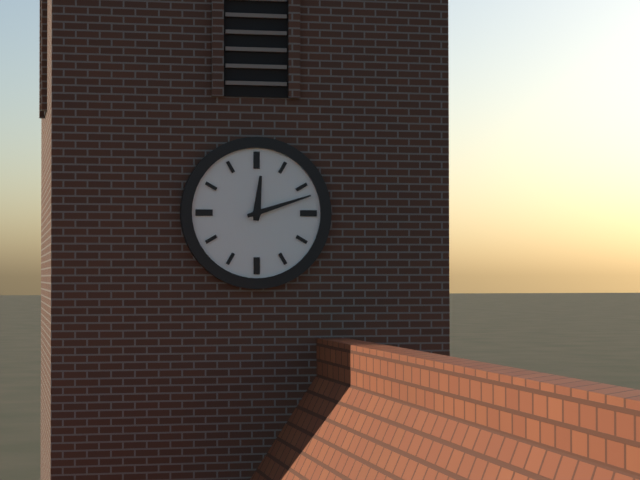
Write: h=12 m=12
